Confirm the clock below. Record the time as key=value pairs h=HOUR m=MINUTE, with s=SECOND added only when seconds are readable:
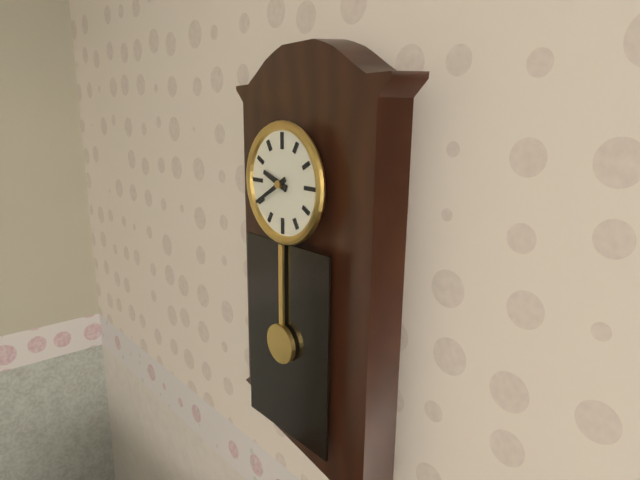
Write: h=9 m=40
